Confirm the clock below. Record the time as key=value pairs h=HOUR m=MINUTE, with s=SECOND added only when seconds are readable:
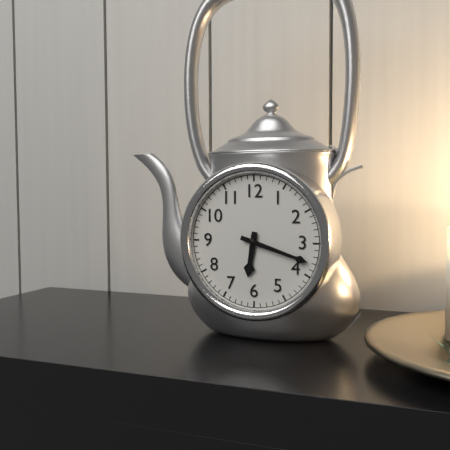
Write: h=6 m=18
